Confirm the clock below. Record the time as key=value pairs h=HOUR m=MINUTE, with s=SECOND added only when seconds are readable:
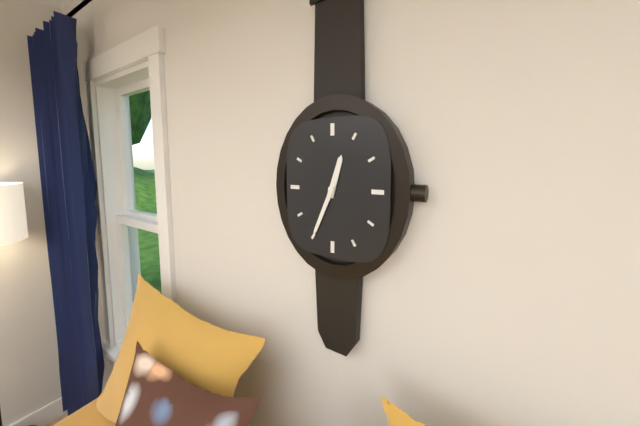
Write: h=12 m=34
